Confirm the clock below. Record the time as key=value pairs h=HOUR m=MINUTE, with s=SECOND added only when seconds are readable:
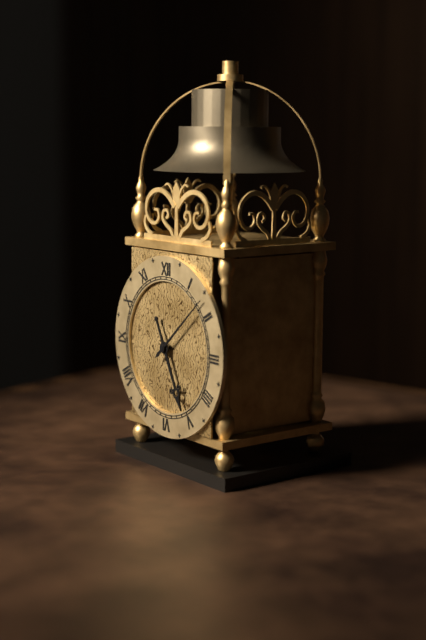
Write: h=5 m=8
